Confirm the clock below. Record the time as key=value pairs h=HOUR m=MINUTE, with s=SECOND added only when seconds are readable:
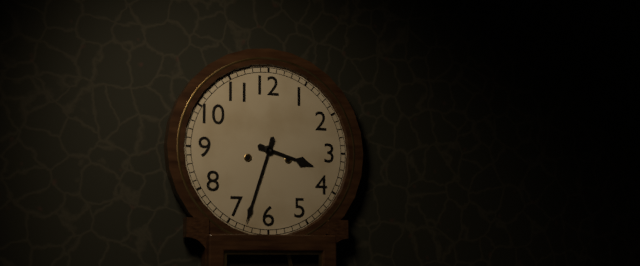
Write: h=3 m=33
